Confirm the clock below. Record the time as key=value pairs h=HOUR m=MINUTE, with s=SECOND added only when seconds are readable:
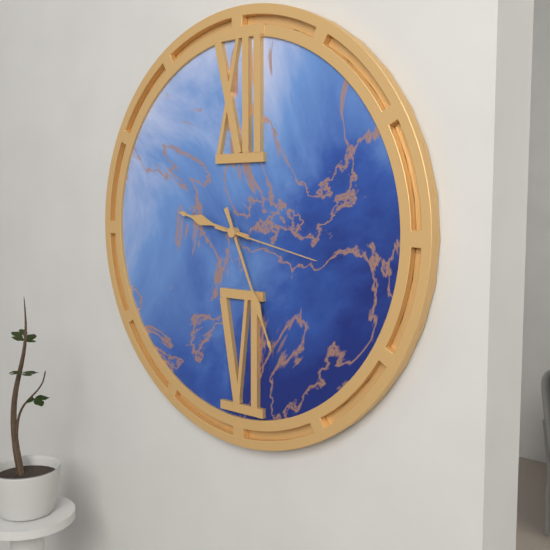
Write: h=9 m=26 s=17
